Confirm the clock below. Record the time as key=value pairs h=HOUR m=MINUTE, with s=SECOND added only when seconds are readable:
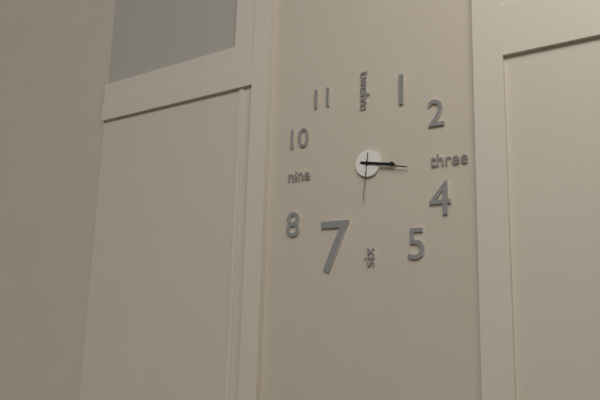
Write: h=3 m=17
